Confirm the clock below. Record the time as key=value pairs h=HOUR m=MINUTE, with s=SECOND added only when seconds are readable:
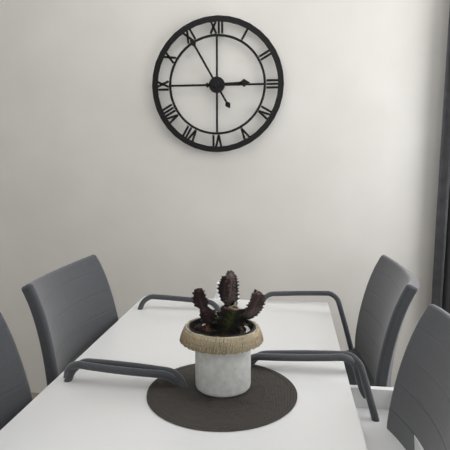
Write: h=2 m=55
